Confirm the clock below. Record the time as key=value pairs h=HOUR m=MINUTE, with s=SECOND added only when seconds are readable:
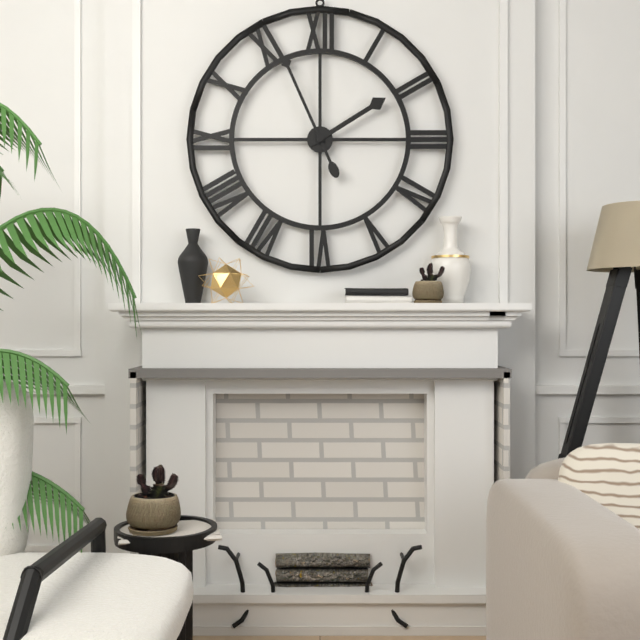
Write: h=1 m=56
